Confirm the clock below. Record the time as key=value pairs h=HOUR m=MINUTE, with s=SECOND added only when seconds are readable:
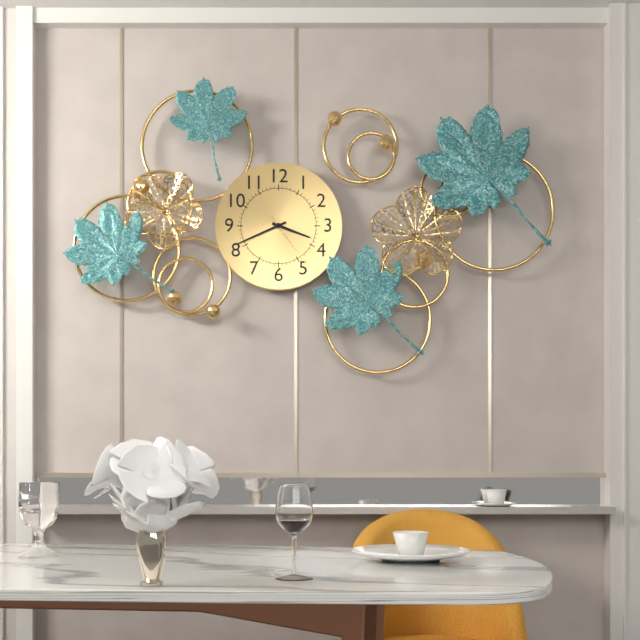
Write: h=3 m=41 s=24
